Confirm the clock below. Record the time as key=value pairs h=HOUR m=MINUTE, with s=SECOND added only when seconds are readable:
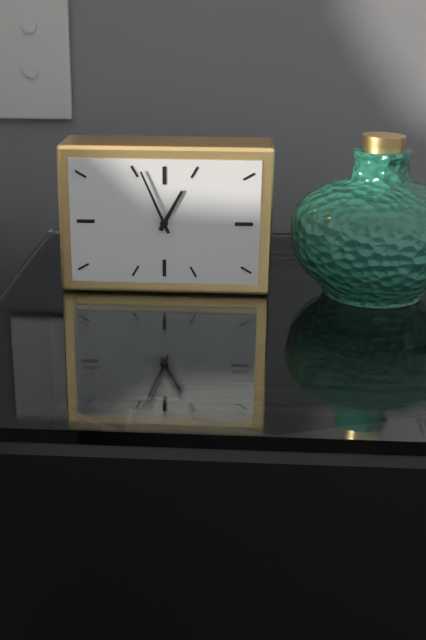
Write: h=12 m=56
